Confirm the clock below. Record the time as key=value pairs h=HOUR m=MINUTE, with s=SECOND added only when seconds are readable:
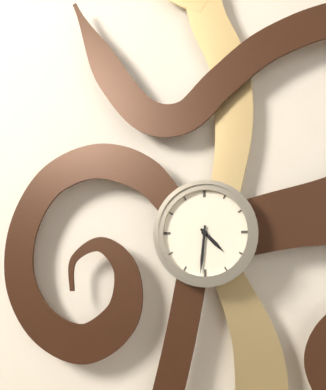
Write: h=4 m=31
